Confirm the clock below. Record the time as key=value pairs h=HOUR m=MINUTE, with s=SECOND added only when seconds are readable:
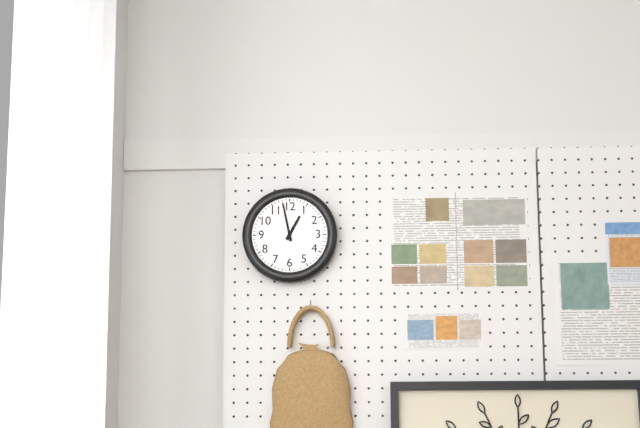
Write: h=12 m=58
